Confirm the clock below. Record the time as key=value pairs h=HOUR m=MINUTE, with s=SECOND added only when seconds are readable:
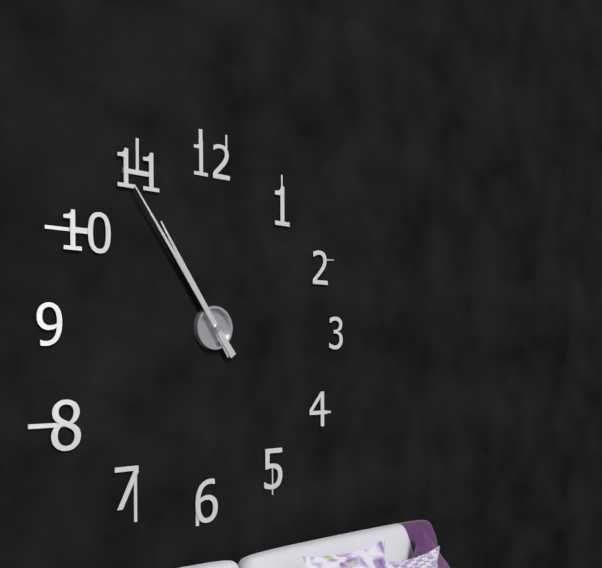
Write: h=10 m=54
